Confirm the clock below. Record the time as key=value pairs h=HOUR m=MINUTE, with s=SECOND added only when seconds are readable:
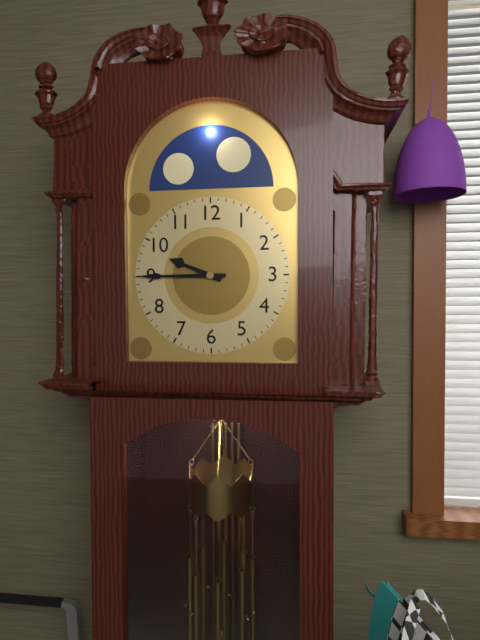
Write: h=9 m=45
